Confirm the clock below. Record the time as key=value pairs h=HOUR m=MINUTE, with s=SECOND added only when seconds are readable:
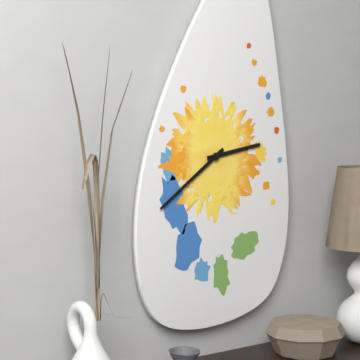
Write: h=2 m=39
